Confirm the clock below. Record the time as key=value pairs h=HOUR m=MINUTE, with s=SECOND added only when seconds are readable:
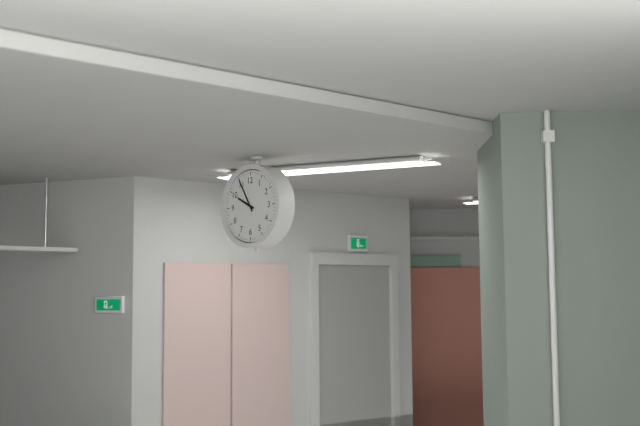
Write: h=9 m=55
